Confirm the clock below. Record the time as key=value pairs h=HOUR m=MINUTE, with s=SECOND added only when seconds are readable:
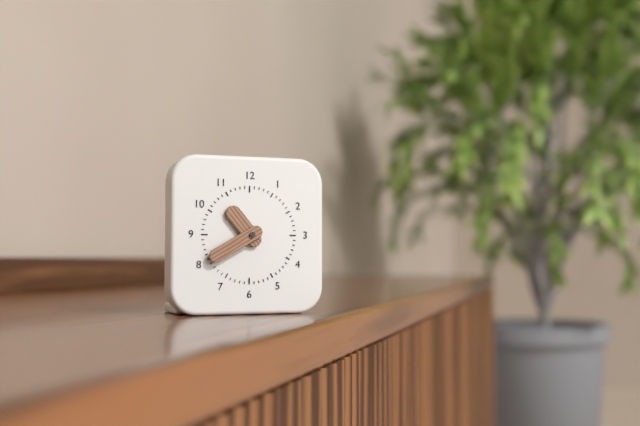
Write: h=10 m=40
